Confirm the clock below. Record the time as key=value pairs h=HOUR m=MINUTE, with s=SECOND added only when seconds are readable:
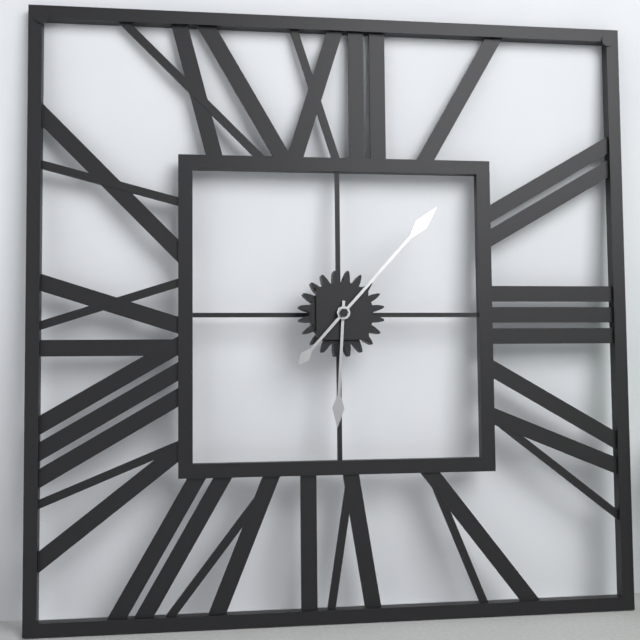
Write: h=6 m=7
